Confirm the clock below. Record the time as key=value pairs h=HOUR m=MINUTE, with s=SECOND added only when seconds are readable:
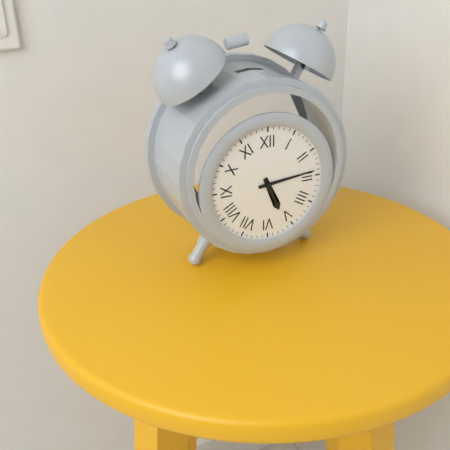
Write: h=5 m=14
